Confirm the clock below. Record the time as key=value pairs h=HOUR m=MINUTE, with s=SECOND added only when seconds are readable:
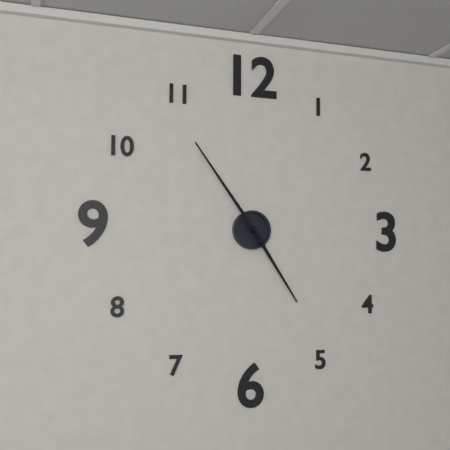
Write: h=4 m=54
